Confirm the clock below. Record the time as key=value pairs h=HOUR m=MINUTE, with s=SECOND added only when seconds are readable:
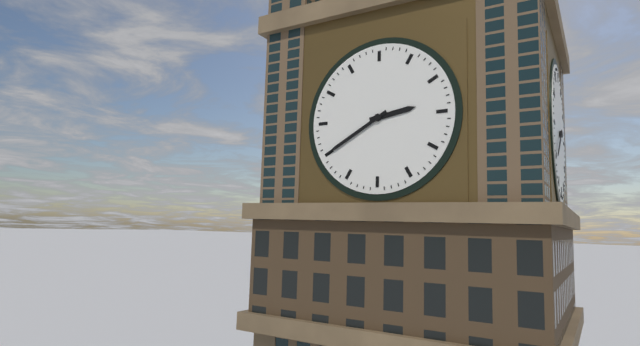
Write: h=2 m=40
